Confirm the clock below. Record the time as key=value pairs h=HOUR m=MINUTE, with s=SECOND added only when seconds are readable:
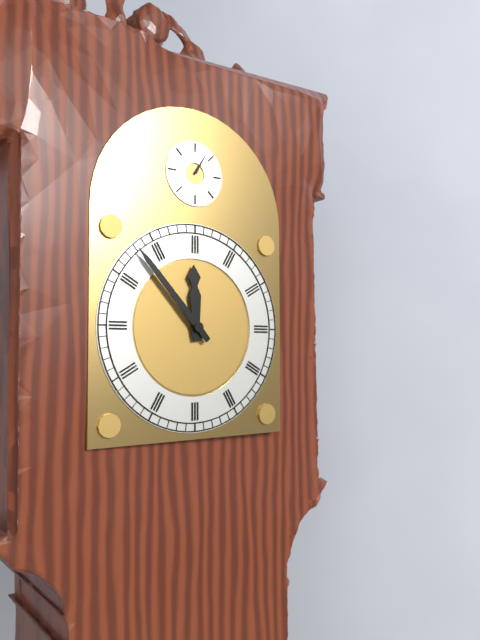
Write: h=11 m=53
